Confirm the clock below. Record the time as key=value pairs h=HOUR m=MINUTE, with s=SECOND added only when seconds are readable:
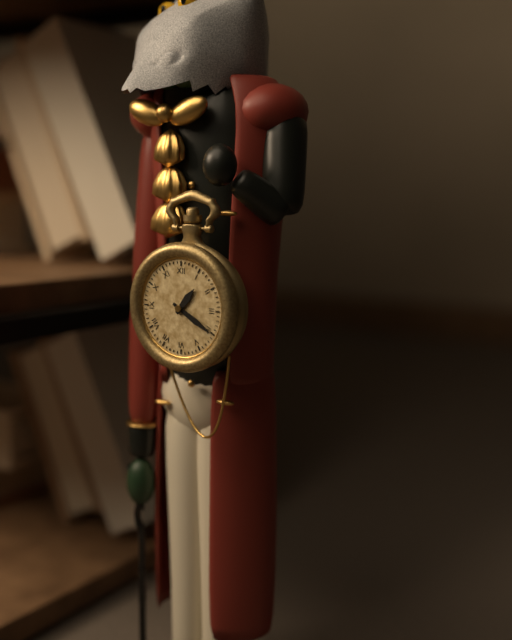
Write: h=1 m=20
